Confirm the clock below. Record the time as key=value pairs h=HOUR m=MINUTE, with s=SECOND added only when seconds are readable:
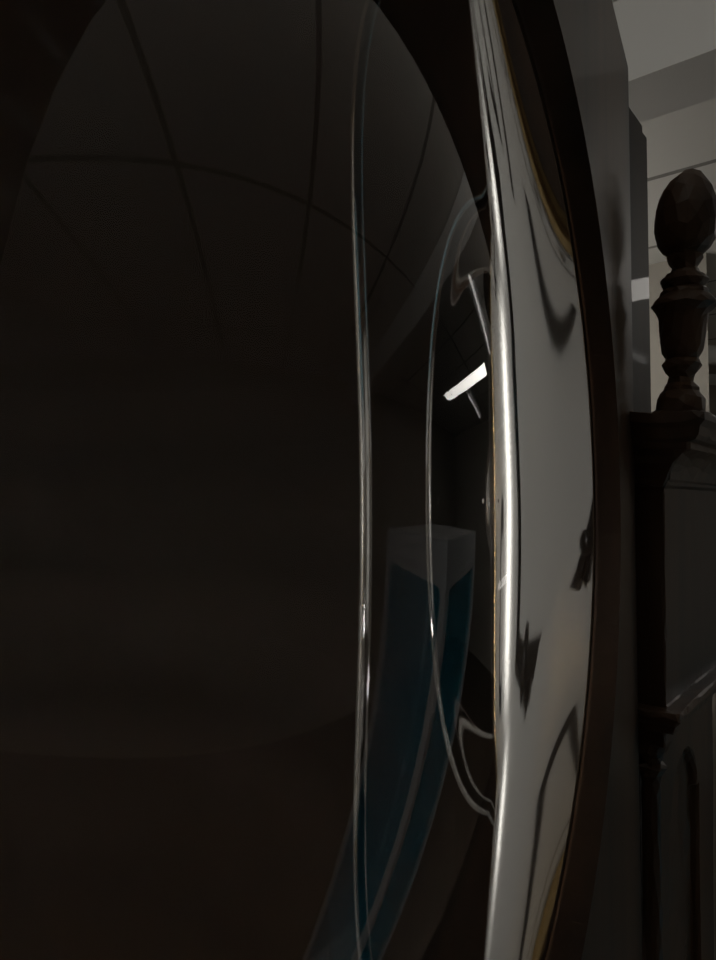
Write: h=1 m=7
